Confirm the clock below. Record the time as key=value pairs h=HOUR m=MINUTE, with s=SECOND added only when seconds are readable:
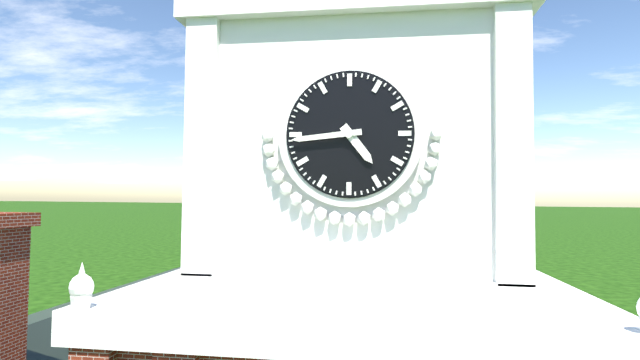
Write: h=4 m=44
